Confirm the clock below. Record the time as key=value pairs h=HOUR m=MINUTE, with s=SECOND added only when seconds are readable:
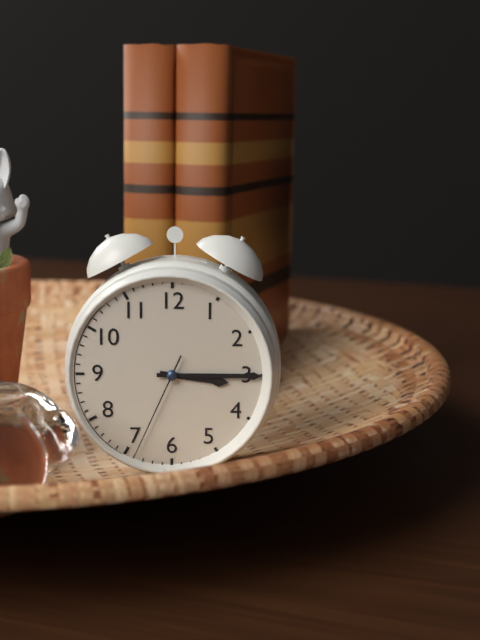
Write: h=3 m=15 s=34
